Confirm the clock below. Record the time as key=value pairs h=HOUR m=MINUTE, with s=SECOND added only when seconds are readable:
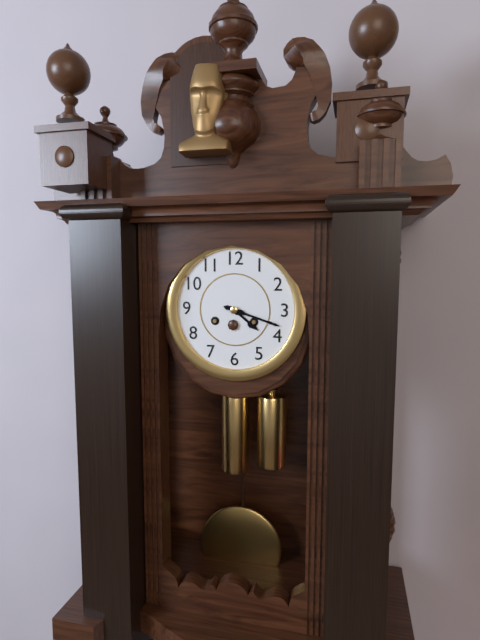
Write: h=4 m=18
